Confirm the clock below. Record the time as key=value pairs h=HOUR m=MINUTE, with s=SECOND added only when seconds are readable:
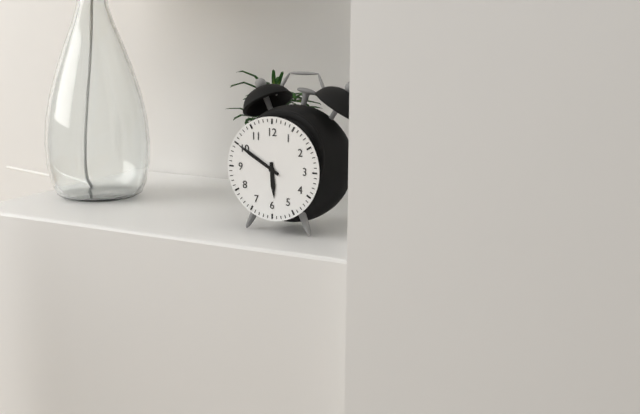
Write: h=5 m=50
